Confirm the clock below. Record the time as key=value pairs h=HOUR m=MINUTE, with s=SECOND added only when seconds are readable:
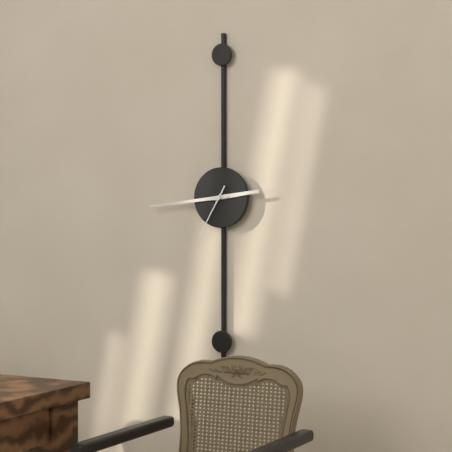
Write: h=2 m=44 s=35
